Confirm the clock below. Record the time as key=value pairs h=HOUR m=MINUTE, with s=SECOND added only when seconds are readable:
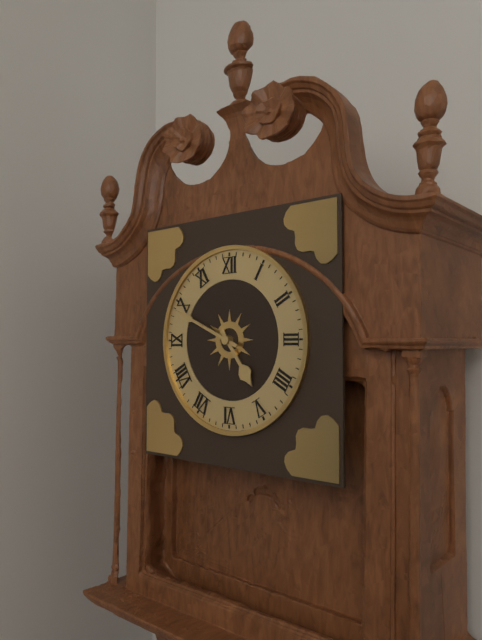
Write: h=4 m=49
